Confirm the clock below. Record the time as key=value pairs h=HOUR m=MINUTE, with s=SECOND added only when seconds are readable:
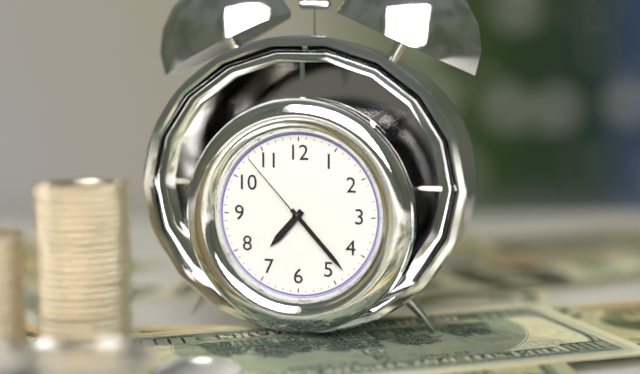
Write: h=7 m=23 s=53
